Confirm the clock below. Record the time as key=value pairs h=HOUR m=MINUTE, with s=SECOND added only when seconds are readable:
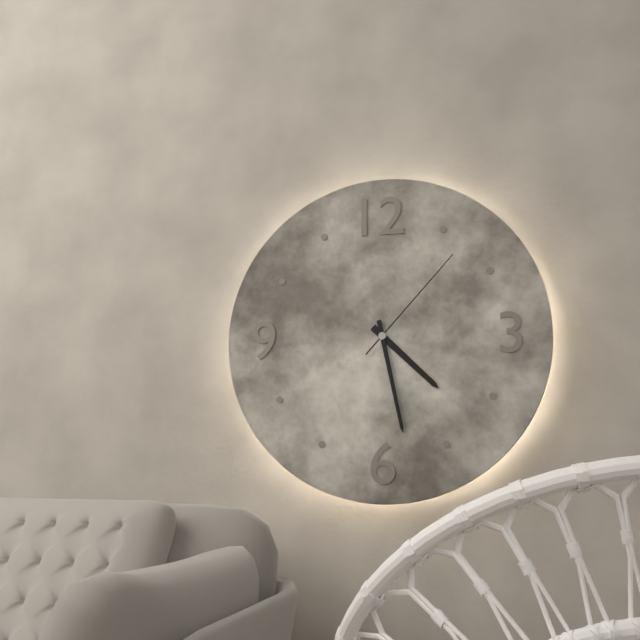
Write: h=4 m=28 s=7
